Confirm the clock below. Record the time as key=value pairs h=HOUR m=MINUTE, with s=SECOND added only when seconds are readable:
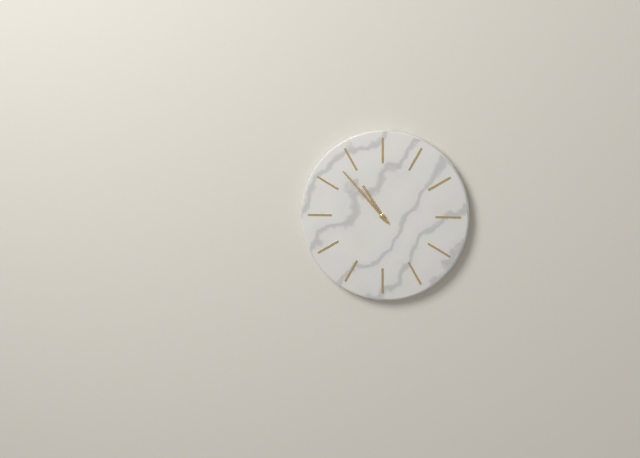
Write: h=10 m=53
